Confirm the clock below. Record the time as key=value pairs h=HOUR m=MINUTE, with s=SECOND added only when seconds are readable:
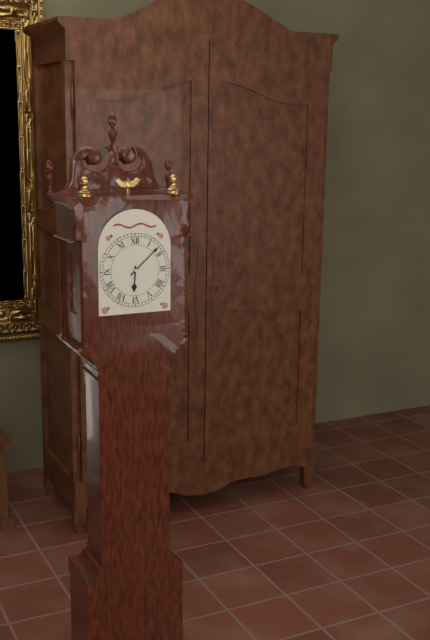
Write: h=6 m=8
